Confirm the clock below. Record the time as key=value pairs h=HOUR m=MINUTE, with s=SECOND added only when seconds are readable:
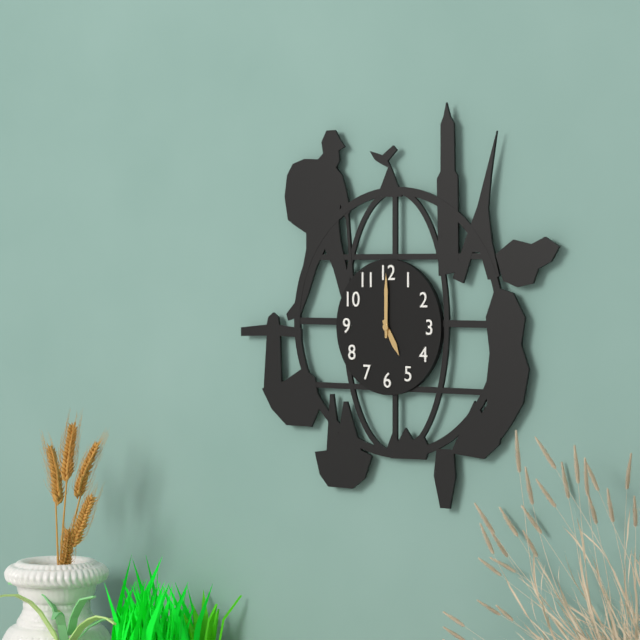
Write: h=5 m=0
